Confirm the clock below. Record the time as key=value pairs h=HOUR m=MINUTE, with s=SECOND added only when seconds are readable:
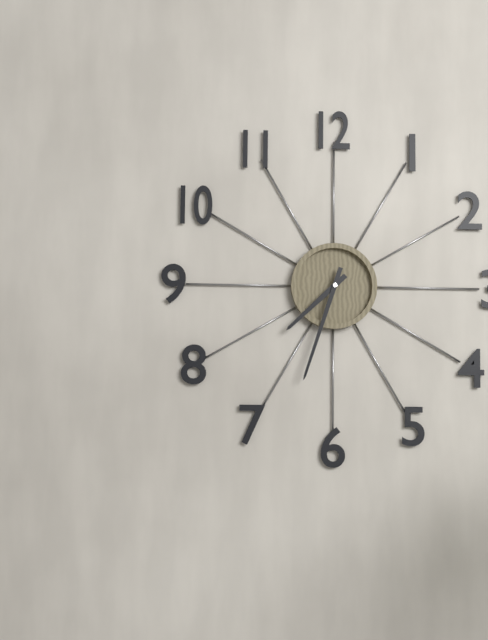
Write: h=7 m=33
